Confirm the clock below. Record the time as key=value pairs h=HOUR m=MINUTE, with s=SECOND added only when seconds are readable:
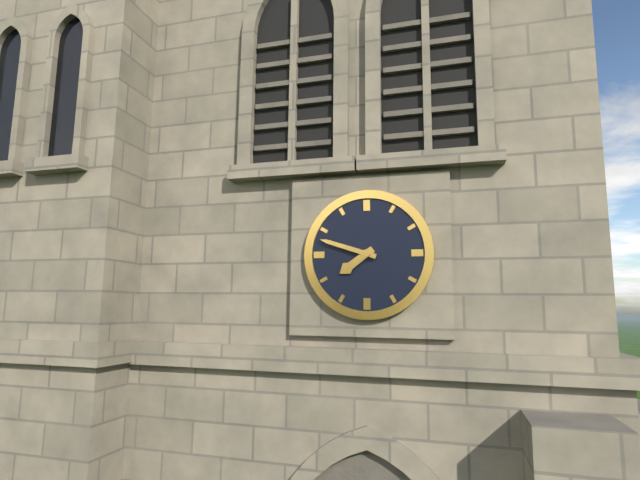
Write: h=7 m=48
